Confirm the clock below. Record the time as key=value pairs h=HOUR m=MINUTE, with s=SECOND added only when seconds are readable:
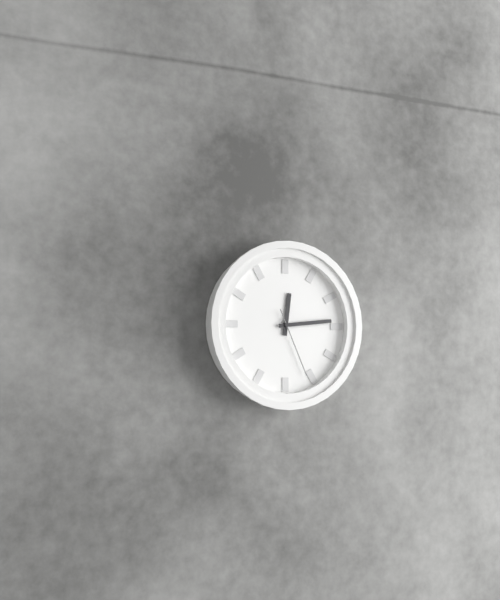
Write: h=12 m=14 s=26
